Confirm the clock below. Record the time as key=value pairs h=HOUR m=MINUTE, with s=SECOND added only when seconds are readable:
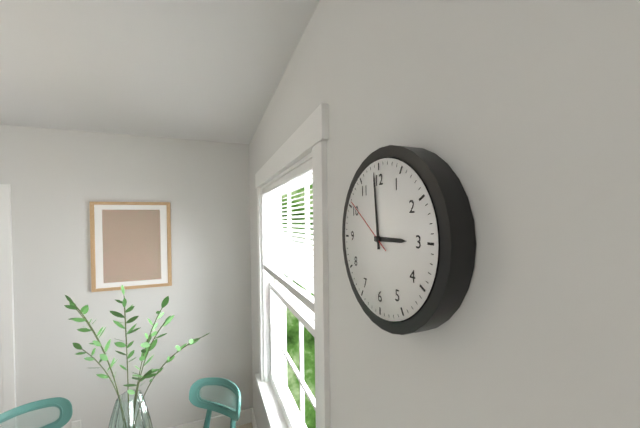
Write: h=2 m=59 s=51
